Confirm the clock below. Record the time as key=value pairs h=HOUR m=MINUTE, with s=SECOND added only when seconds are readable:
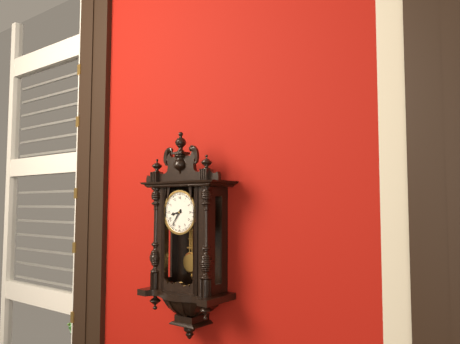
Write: h=8 m=36
